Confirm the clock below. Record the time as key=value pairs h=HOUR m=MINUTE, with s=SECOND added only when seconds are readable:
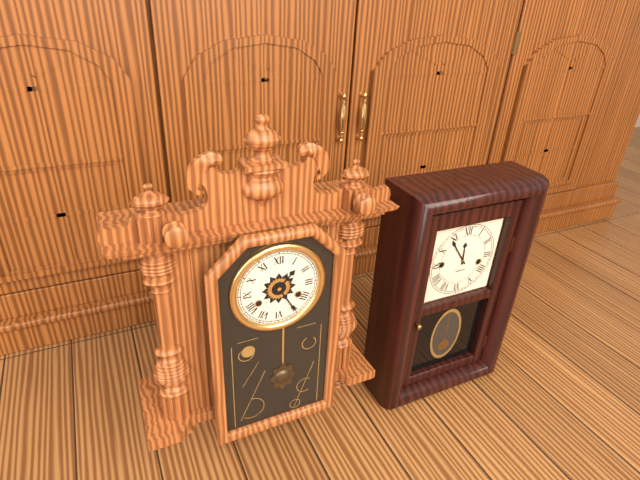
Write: h=1 m=25
